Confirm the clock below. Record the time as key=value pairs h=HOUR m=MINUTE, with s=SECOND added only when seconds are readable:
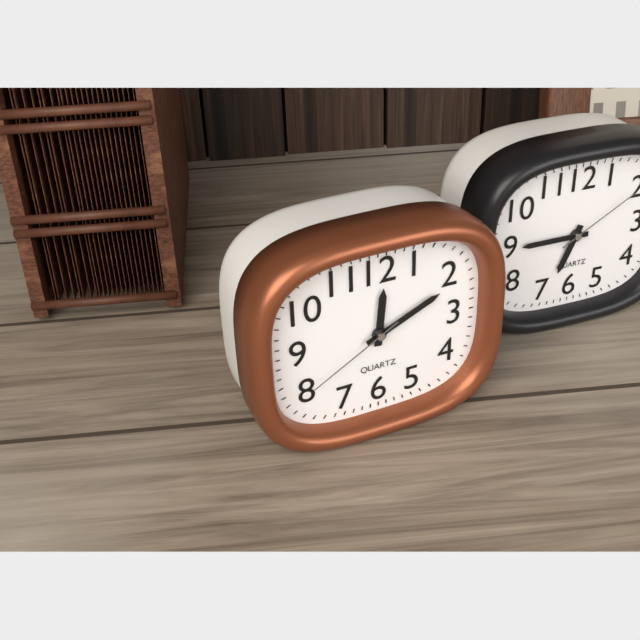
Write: h=12 m=11 s=40
